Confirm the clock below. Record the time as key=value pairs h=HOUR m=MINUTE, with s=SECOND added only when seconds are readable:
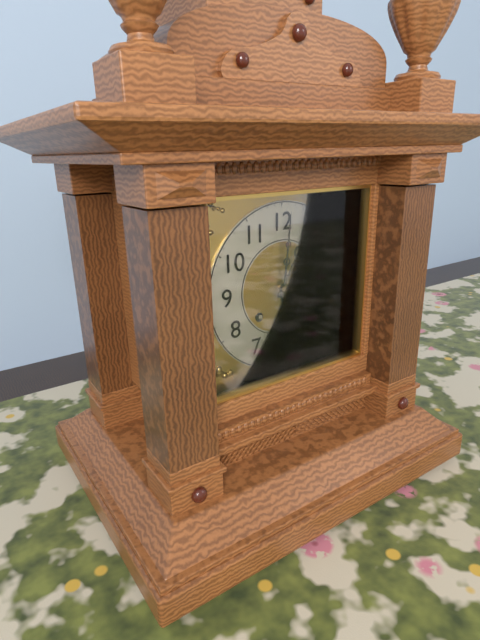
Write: h=1 m=1
